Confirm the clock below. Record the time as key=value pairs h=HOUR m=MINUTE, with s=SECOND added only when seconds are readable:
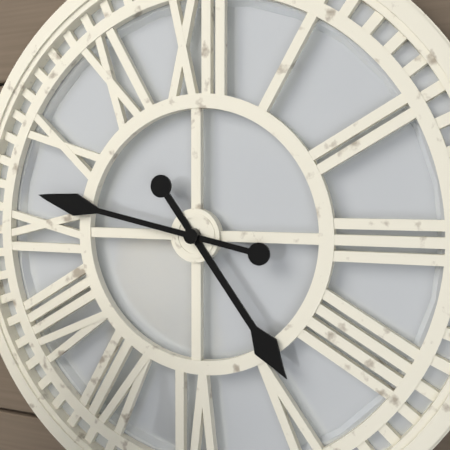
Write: h=4 m=47
